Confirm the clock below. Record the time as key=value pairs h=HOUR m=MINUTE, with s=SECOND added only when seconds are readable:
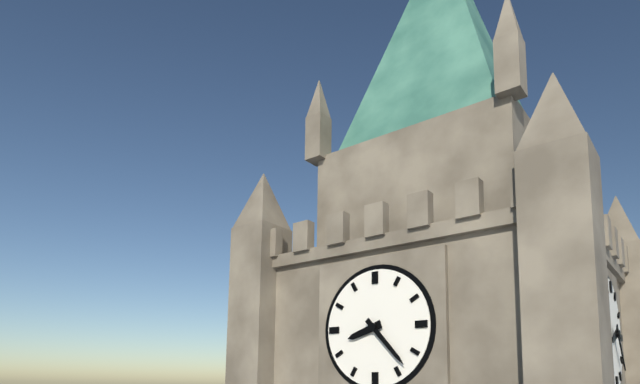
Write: h=8 m=23
